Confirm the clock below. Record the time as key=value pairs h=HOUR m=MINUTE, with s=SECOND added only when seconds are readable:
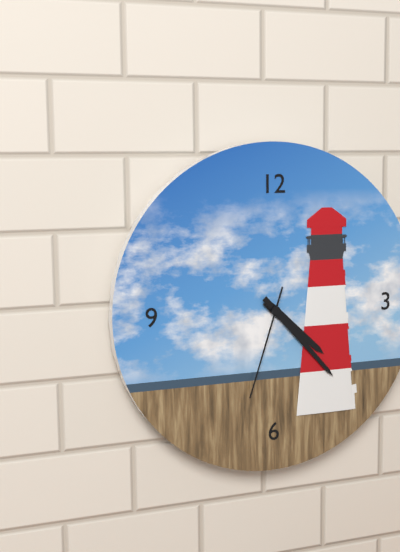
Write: h=4 m=23 s=33
